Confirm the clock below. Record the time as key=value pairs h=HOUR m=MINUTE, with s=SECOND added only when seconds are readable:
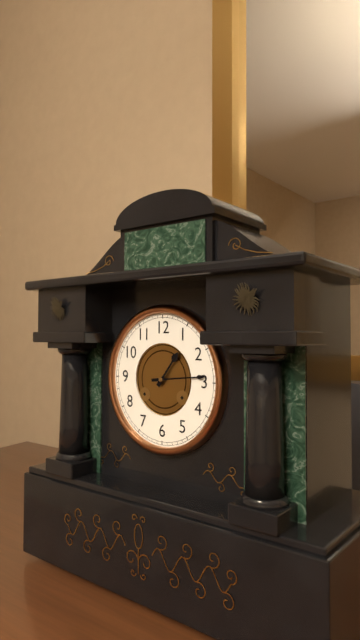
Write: h=1 m=14
